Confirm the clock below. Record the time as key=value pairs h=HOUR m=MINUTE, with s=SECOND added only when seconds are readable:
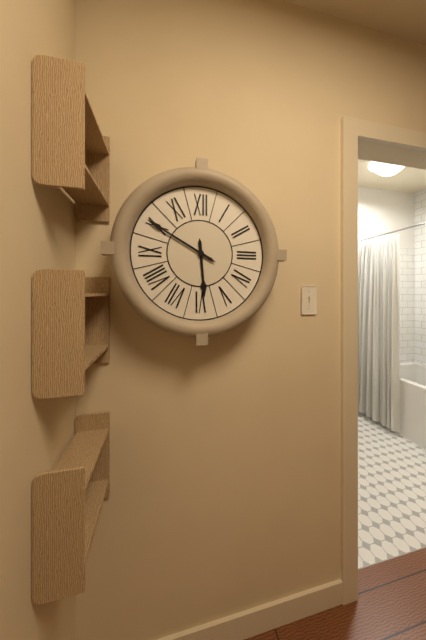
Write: h=5 m=50
